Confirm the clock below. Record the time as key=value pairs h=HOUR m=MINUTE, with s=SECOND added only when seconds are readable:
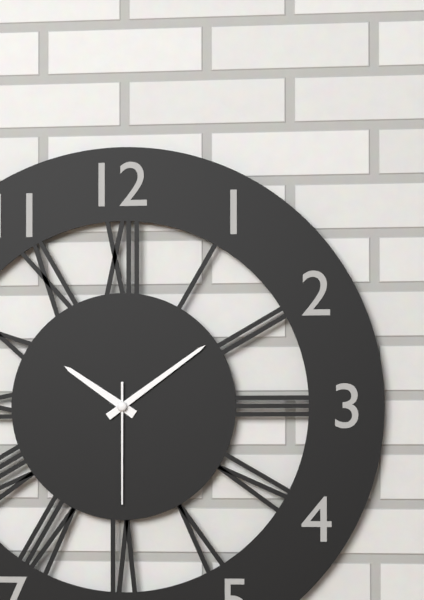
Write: h=10 m=9 s=30
